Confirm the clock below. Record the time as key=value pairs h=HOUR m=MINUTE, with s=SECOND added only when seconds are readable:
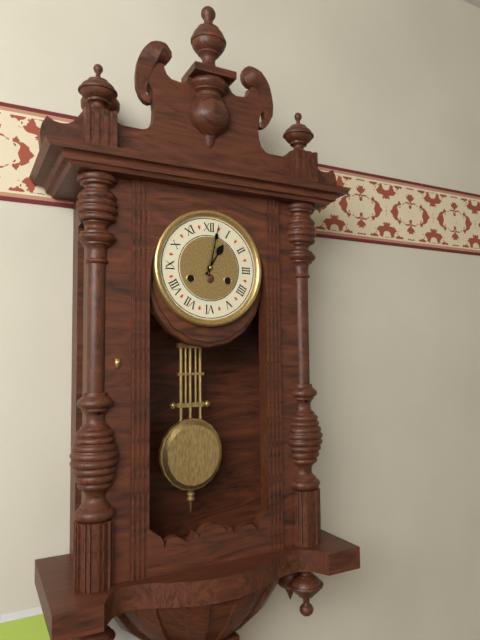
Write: h=1 m=2
